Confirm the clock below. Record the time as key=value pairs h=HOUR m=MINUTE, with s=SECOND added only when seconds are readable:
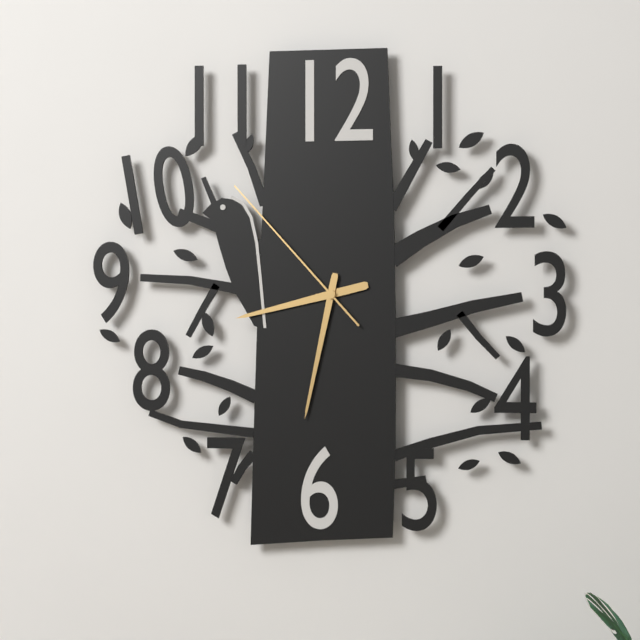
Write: h=8 m=32 s=53
